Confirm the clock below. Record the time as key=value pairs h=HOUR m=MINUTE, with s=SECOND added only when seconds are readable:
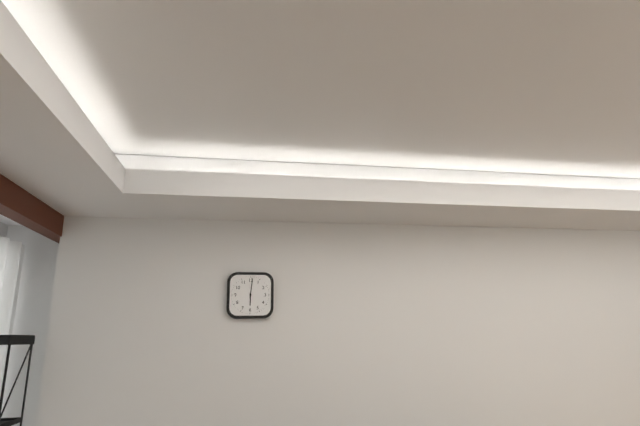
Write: h=6 m=1
